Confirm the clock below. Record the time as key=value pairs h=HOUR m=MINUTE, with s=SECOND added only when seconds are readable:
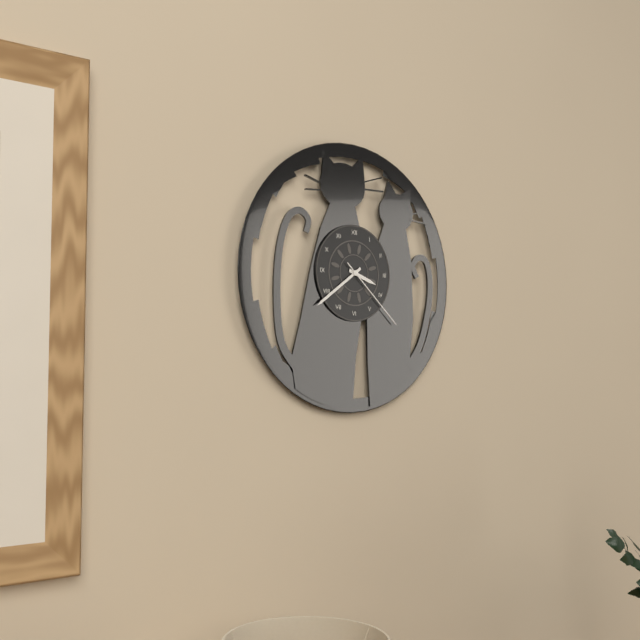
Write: h=3 m=39 s=22
